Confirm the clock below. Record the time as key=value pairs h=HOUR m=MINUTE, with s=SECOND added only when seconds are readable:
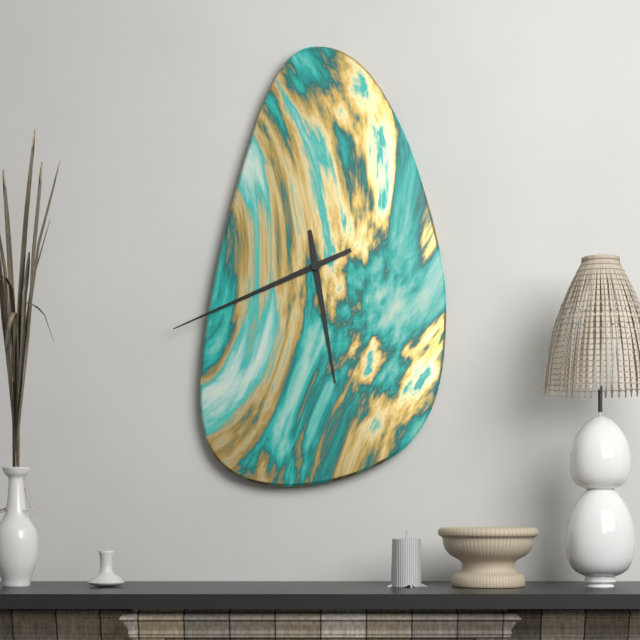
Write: h=5 m=41
